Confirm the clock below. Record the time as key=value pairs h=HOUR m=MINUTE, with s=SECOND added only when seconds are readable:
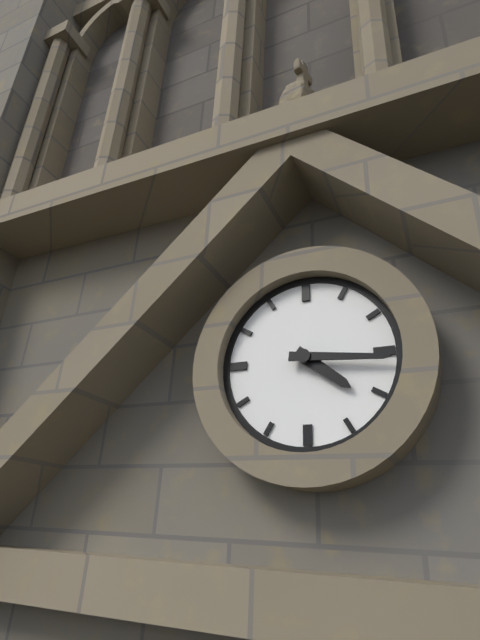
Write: h=4 m=16
